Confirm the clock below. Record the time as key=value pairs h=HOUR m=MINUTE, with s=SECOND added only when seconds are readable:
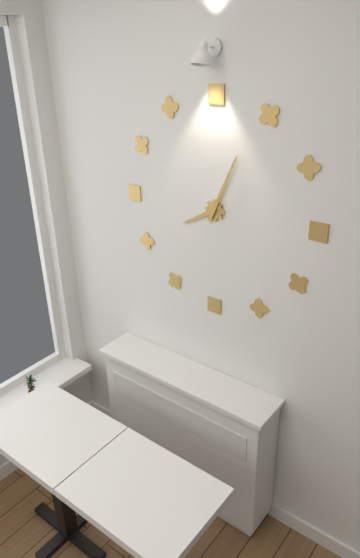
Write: h=8 m=4
